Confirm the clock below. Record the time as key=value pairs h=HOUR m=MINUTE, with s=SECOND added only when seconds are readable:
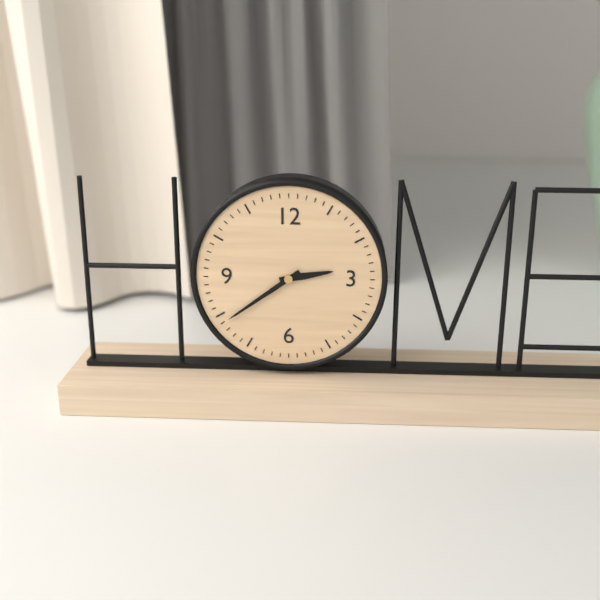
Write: h=2 m=39
